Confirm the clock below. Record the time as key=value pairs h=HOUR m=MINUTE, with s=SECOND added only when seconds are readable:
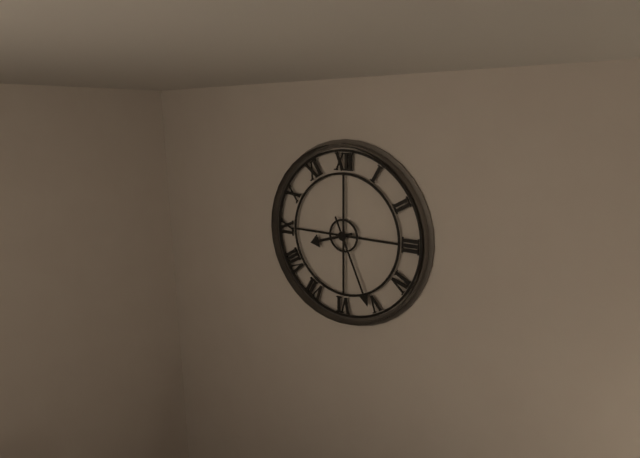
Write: h=8 m=26
